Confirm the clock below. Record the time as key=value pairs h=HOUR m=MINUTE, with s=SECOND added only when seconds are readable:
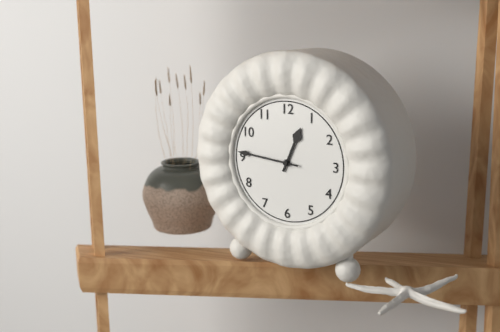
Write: h=12 m=46
